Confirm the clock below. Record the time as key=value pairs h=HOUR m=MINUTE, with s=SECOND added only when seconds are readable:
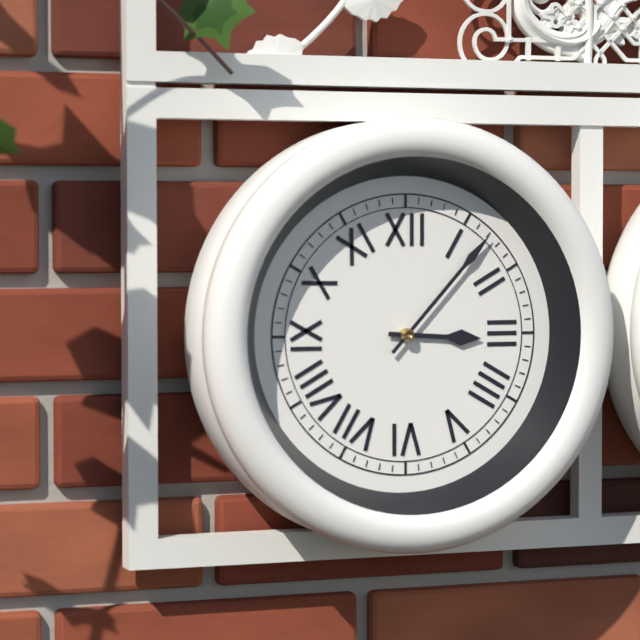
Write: h=3 m=7
